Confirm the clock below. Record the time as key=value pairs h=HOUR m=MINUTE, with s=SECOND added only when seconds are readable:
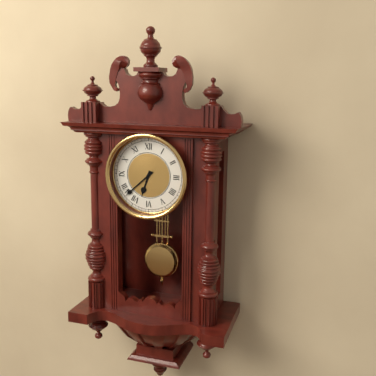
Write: h=6 m=38
